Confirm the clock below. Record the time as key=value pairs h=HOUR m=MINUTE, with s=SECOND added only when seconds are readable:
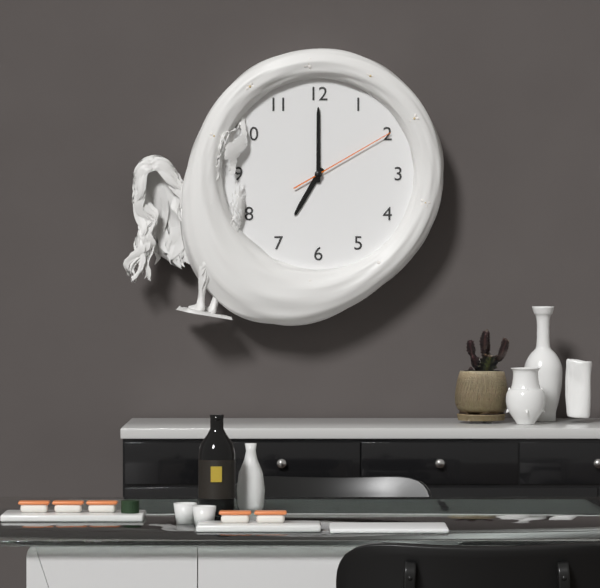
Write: h=7 m=0 s=10
